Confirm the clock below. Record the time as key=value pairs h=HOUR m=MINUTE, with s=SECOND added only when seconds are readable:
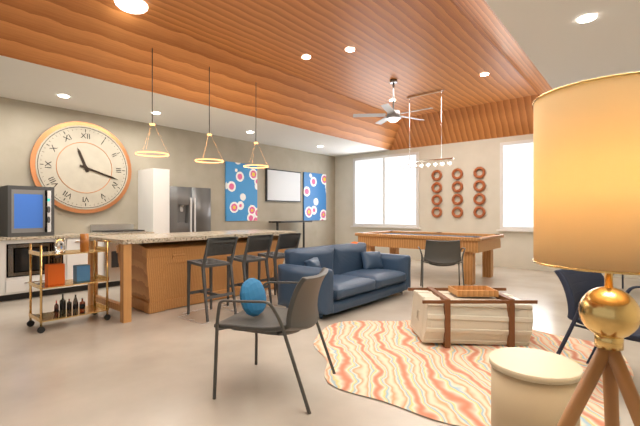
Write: h=11 m=18
